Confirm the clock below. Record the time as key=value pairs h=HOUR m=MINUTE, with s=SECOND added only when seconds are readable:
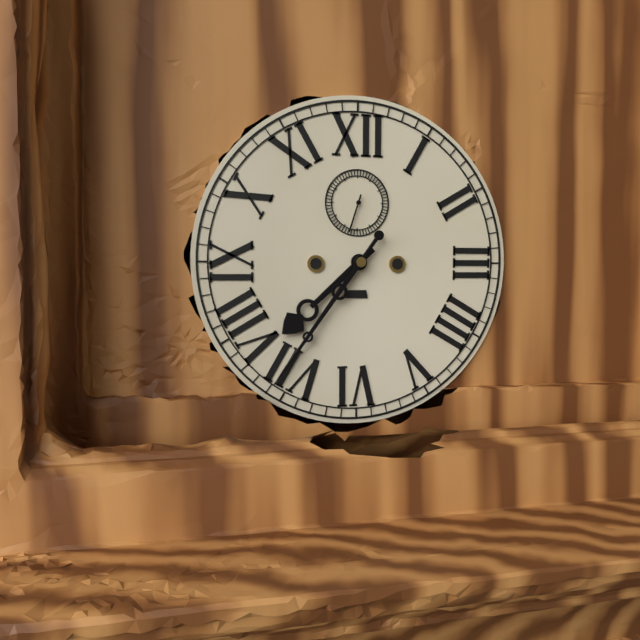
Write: h=7 m=36
